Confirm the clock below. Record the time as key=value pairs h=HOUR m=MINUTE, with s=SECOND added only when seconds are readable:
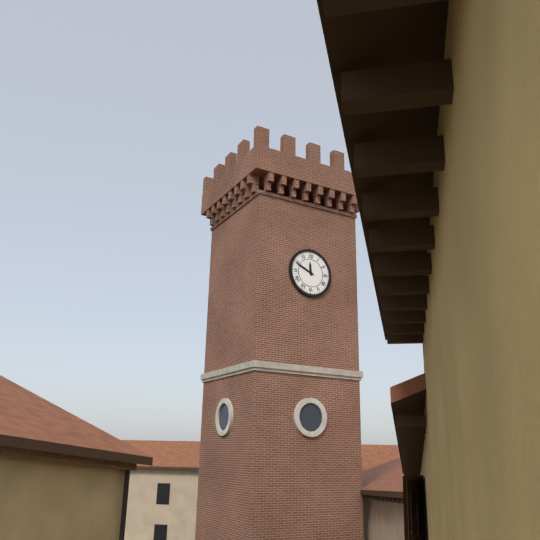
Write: h=11 m=49
